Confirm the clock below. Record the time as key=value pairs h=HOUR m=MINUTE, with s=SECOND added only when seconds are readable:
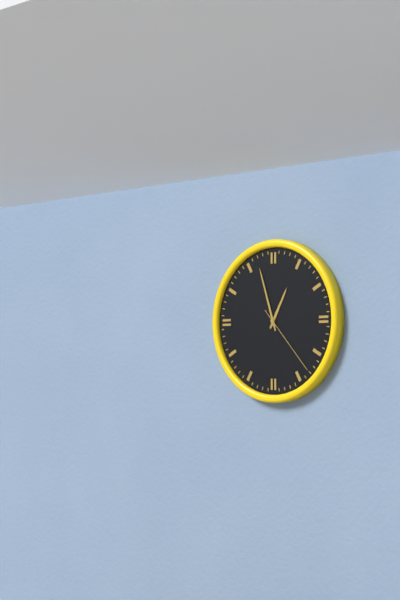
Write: h=12 m=57 s=23
